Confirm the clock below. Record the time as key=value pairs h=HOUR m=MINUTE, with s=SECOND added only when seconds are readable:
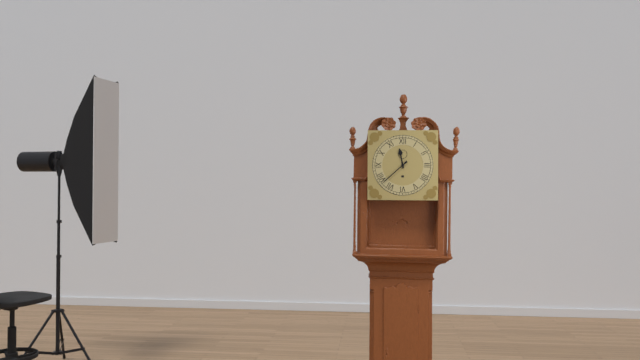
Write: h=11 m=38
